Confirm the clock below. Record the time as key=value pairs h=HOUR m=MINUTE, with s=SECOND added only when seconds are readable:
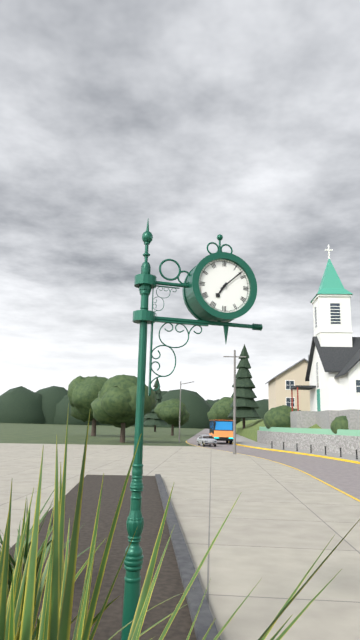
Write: h=7 m=8
